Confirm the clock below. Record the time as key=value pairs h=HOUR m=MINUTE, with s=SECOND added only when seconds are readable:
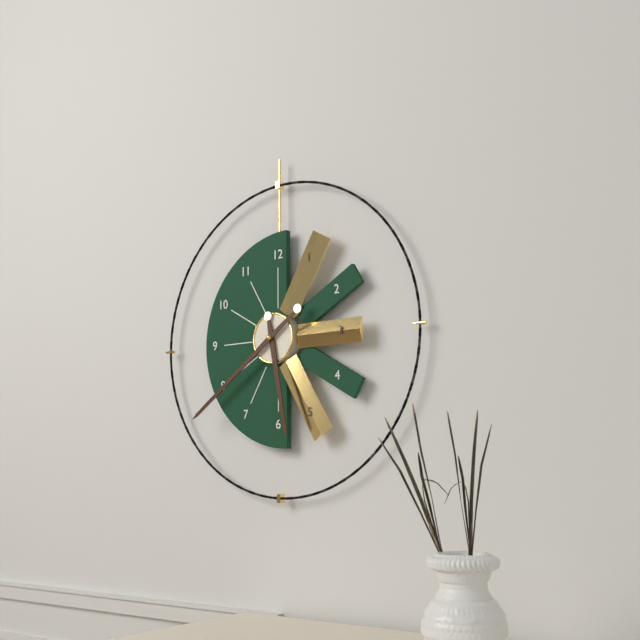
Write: h=5 m=39
